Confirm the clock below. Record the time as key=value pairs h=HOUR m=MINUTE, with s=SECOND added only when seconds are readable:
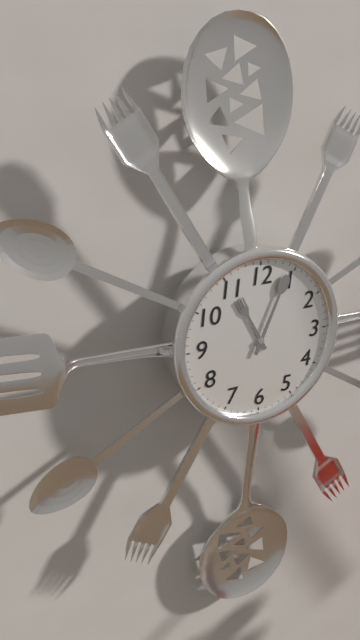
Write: h=11 m=4
